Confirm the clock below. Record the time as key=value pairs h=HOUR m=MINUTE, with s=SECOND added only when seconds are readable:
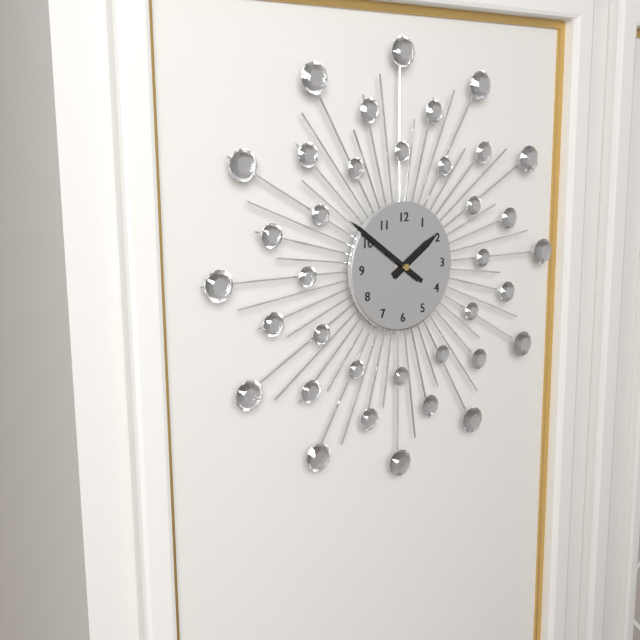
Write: h=1 m=51
